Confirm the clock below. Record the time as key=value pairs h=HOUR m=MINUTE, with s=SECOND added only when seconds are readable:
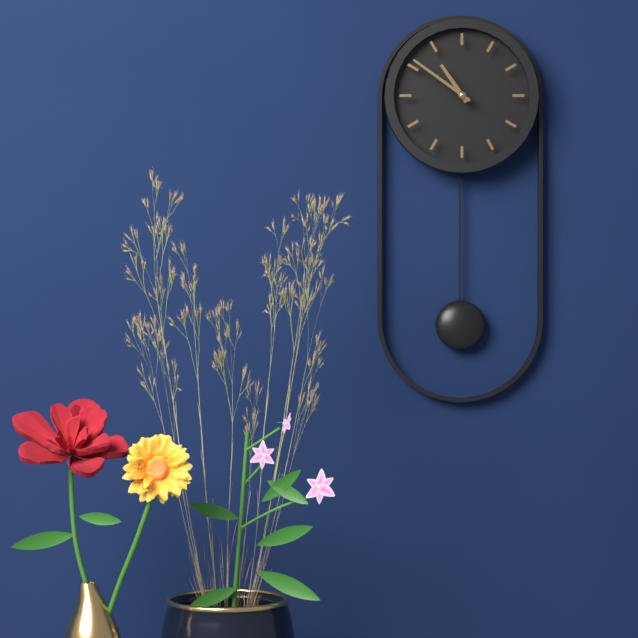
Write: h=10 m=51
